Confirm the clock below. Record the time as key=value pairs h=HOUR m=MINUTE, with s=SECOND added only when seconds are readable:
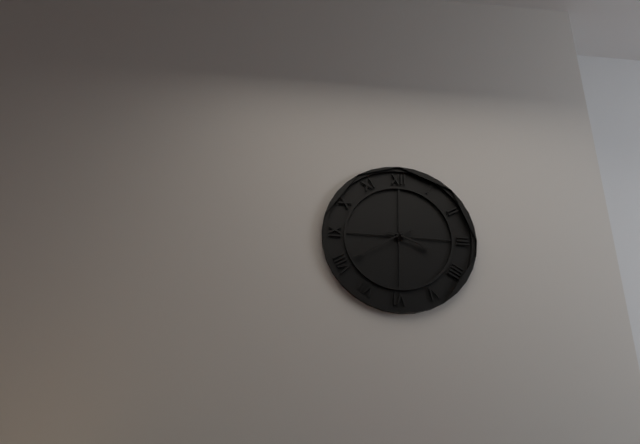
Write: h=3 m=40
